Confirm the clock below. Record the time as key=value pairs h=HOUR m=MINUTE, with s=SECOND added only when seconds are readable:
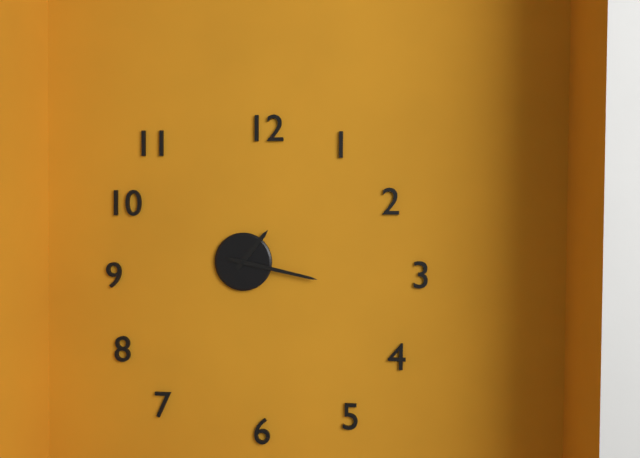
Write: h=1 m=17
